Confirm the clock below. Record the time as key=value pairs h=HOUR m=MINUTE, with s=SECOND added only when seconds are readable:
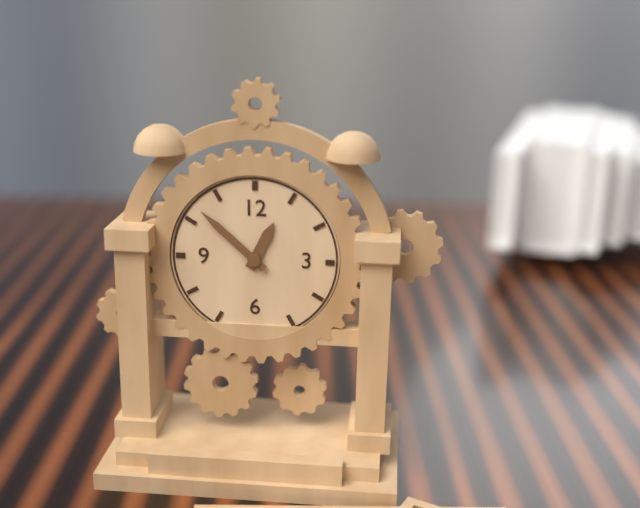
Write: h=12 m=52
